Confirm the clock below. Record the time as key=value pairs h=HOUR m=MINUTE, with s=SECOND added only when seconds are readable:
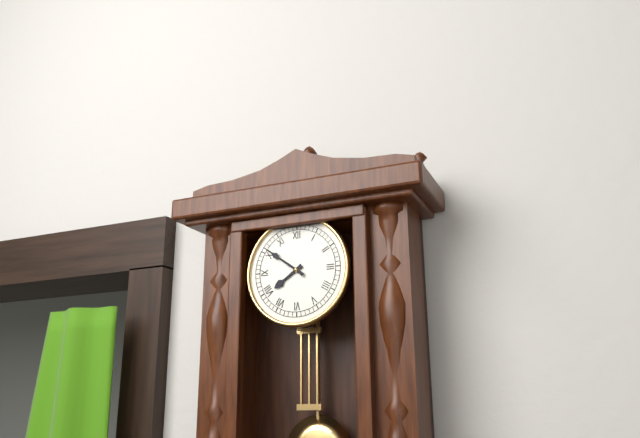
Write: h=7 m=51
